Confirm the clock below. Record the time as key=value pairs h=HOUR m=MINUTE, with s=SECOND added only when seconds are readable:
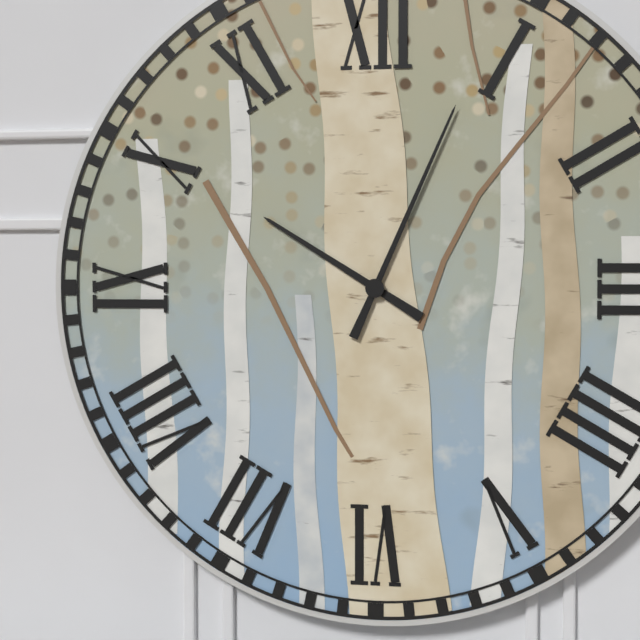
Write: h=10 m=4
